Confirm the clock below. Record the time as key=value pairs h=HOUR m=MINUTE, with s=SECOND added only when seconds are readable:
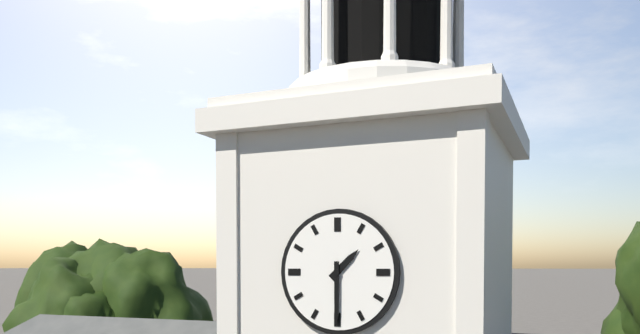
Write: h=1 m=30
